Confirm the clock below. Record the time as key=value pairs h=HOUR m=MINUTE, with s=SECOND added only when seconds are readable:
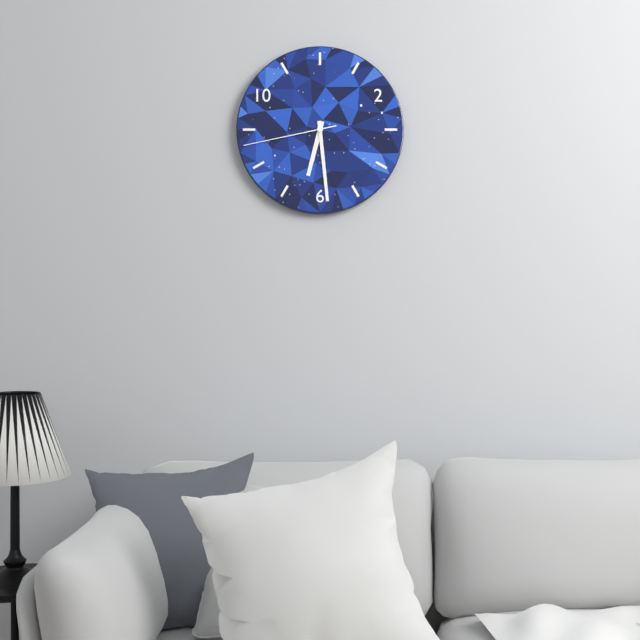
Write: h=6 m=29 s=43
